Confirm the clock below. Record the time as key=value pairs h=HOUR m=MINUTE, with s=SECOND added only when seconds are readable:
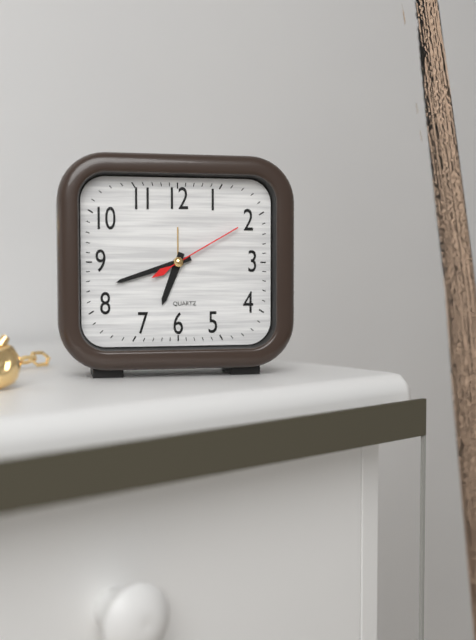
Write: h=6 m=42 s=10
